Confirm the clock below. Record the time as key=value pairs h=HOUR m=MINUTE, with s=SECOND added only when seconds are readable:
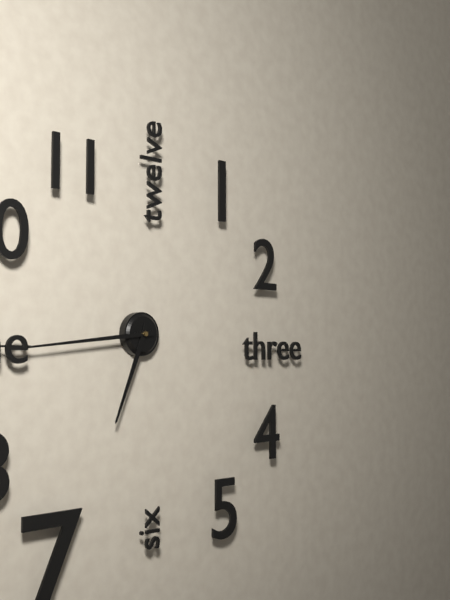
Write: h=6 m=44
